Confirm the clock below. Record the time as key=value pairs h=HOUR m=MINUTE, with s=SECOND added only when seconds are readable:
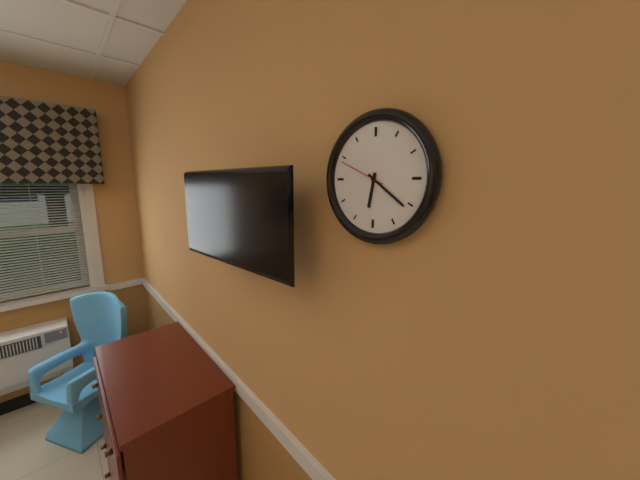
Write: h=6 m=21 s=49
